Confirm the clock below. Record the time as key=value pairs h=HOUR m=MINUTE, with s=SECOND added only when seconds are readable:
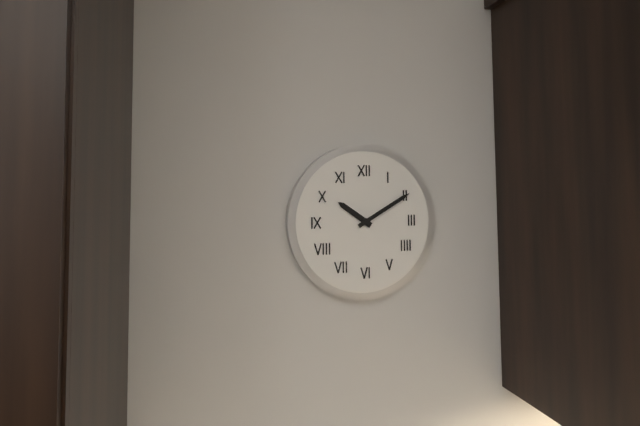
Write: h=10 m=10
